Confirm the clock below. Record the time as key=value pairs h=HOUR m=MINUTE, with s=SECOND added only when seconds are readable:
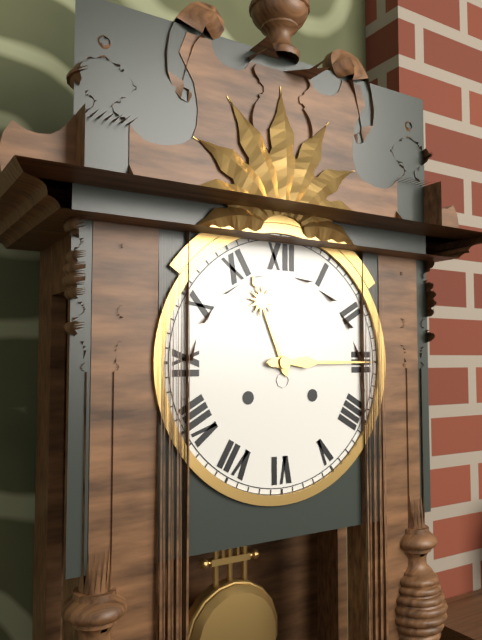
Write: h=11 m=15
